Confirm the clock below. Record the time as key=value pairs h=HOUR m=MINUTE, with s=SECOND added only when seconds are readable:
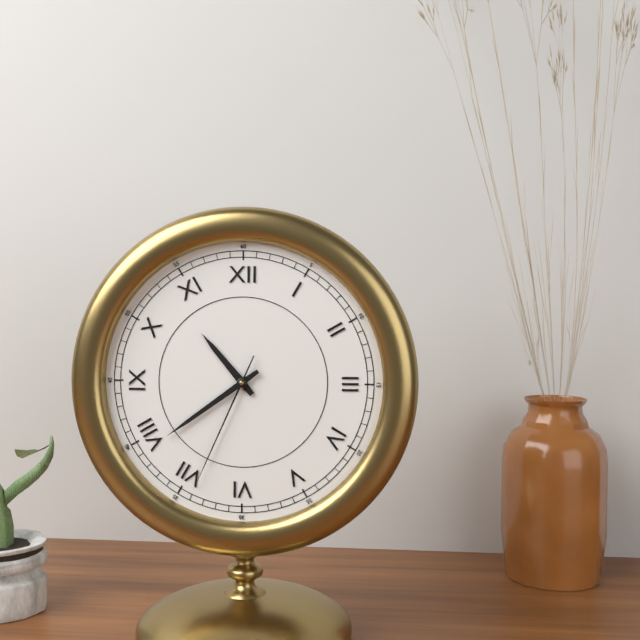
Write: h=10 m=39 s=34
